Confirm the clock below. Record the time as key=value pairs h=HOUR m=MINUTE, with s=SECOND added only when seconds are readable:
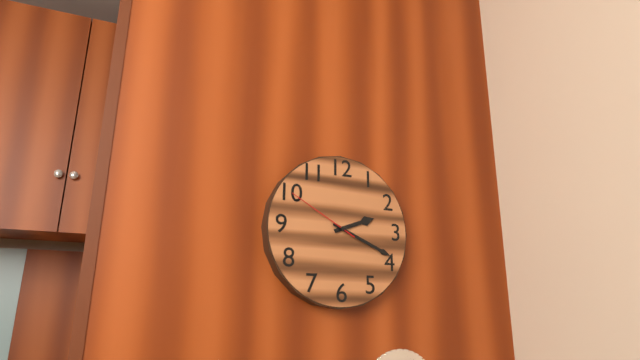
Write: h=2 m=19 s=50
